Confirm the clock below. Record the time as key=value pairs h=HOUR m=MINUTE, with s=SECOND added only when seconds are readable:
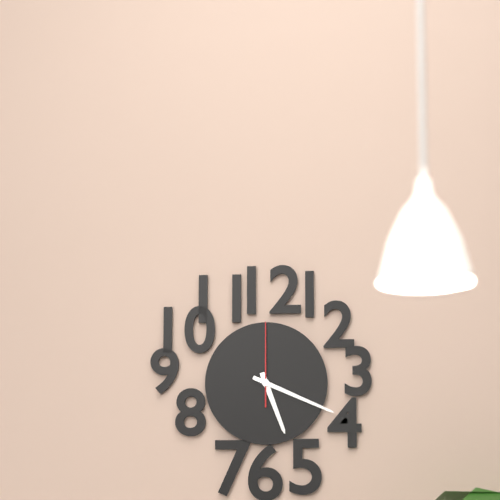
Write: h=5 m=19 s=0
